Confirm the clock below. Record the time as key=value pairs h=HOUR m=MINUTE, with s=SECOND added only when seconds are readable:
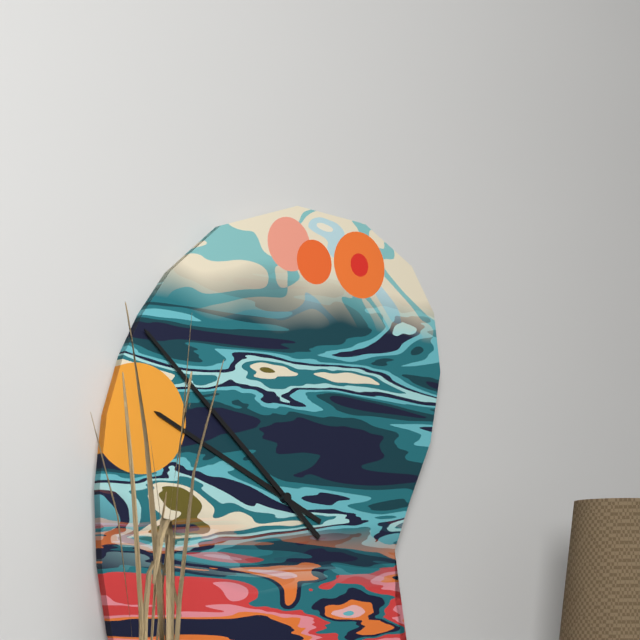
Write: h=9 m=52
